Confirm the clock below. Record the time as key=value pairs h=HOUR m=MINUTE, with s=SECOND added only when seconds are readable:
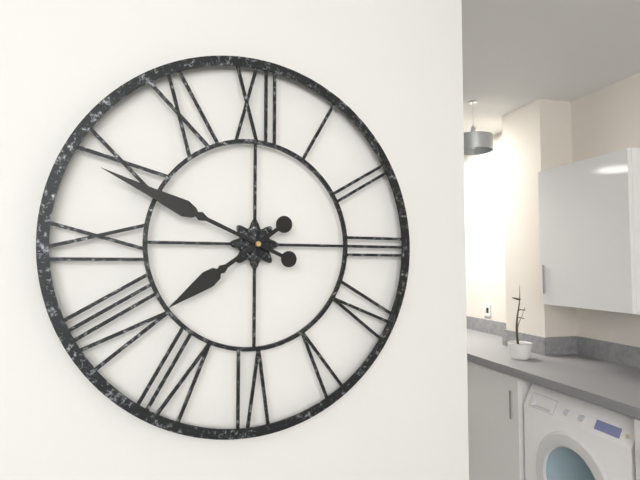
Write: h=7 m=49
